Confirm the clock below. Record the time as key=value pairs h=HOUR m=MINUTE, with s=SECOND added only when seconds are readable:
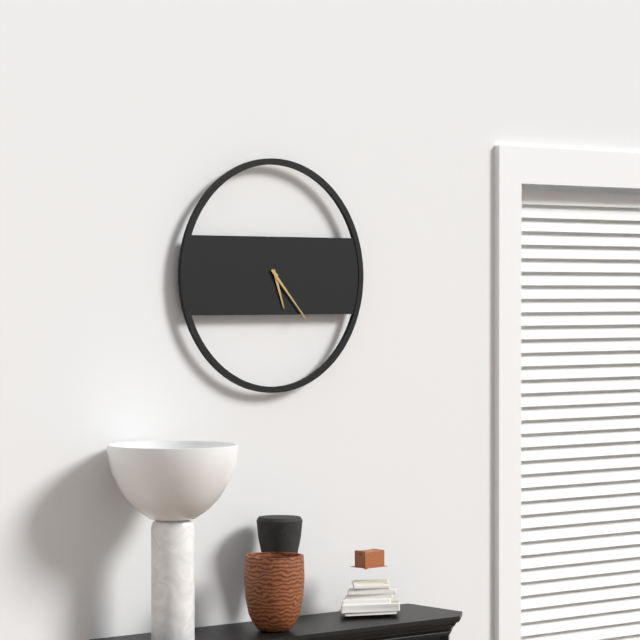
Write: h=5 m=23
